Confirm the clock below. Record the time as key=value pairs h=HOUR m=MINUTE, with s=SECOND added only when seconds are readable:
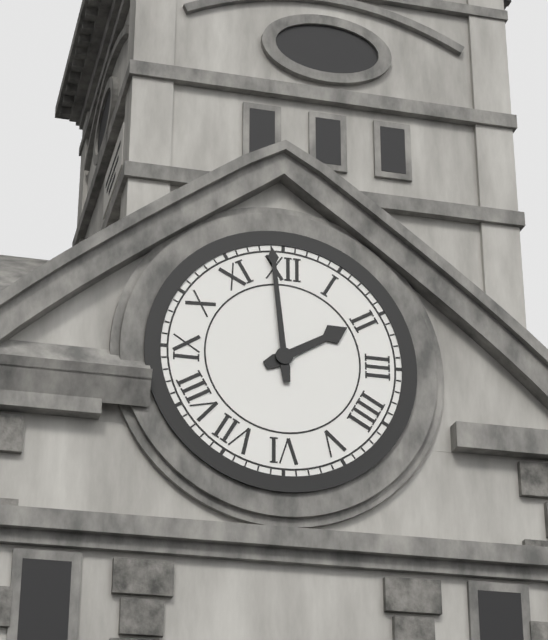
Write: h=1 m=59
